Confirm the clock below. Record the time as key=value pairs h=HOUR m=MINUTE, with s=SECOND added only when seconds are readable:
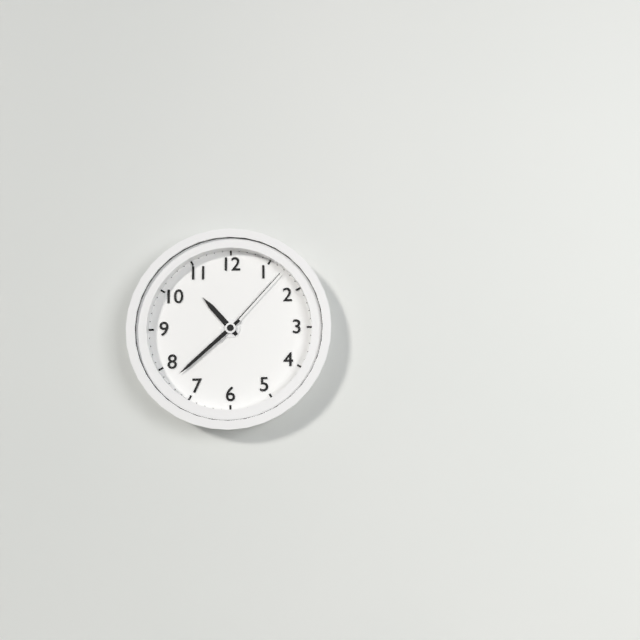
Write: h=10 m=38 s=7
